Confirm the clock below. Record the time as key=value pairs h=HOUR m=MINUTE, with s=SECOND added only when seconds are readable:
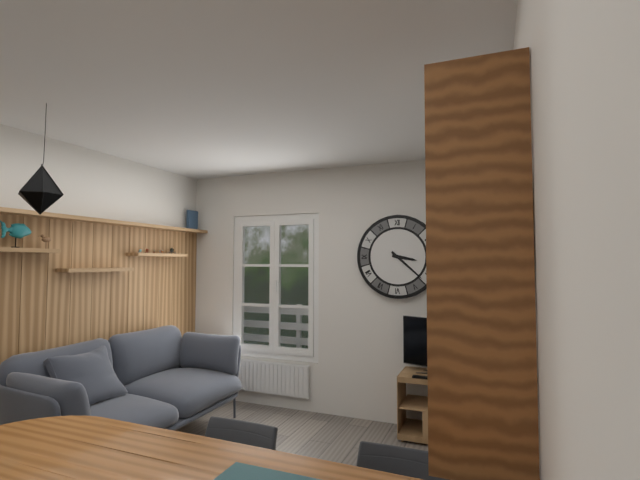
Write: h=3 m=22
